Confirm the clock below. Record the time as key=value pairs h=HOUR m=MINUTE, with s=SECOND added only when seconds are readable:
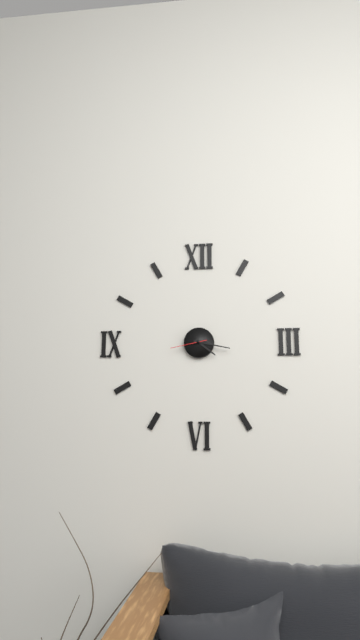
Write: h=4 m=17
